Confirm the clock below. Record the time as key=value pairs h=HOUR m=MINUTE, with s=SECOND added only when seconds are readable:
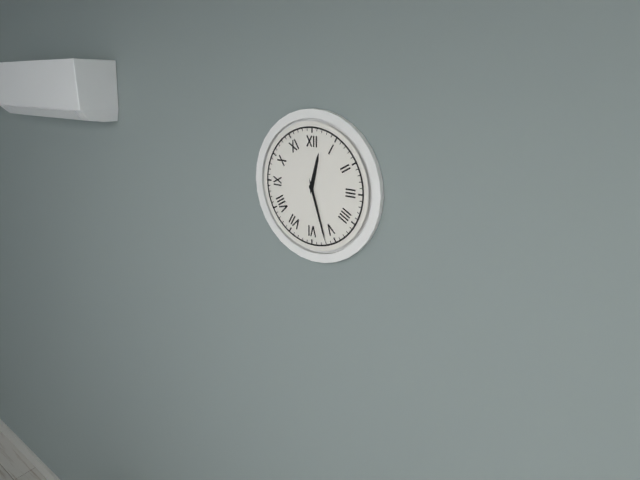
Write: h=12 m=27
